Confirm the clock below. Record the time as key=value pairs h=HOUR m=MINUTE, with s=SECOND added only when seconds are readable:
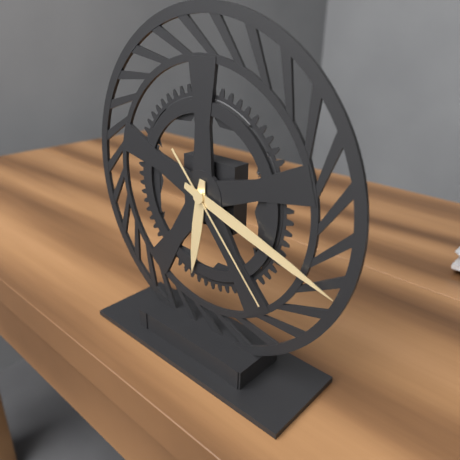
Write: h=6 m=18 s=23
